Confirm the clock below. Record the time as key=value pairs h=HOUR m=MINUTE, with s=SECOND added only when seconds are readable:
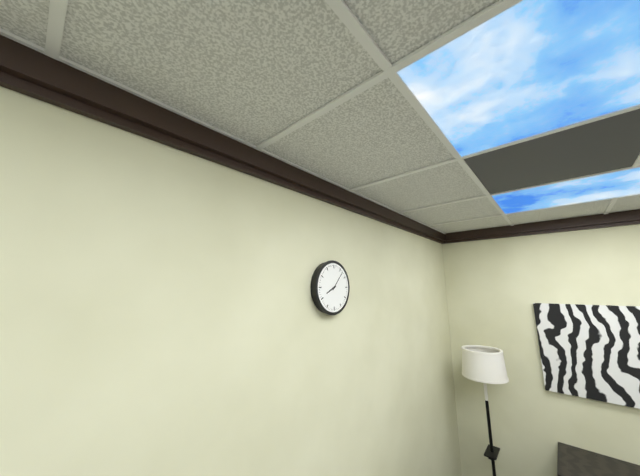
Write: h=8 m=7
